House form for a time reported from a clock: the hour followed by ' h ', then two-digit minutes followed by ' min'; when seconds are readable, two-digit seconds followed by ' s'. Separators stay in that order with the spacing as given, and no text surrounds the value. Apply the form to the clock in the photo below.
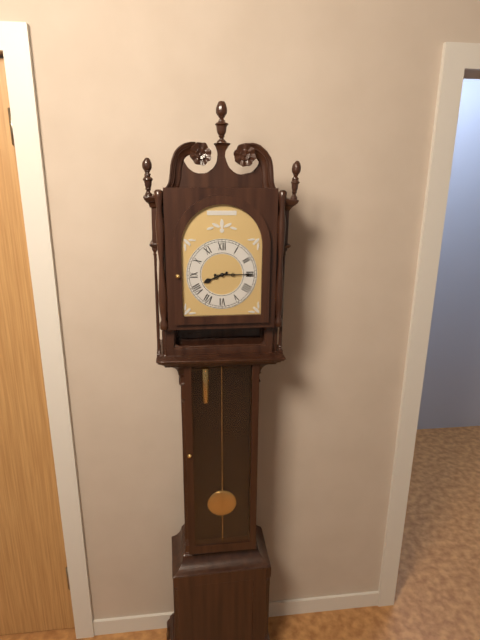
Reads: 8 h 15 min
